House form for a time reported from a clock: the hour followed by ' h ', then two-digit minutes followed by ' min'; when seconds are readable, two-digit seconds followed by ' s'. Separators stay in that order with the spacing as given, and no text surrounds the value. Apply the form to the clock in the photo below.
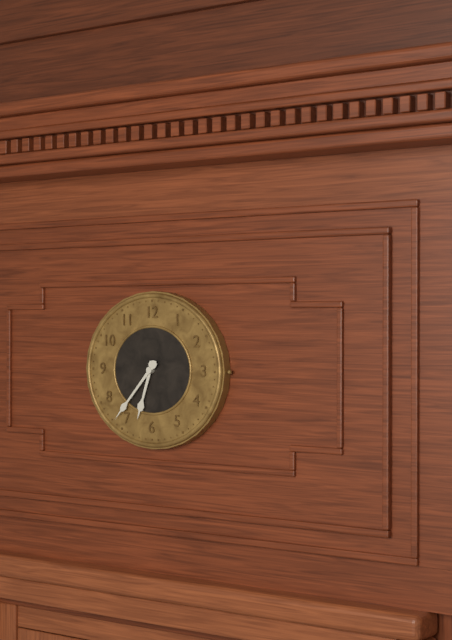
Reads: 6 h 37 min
